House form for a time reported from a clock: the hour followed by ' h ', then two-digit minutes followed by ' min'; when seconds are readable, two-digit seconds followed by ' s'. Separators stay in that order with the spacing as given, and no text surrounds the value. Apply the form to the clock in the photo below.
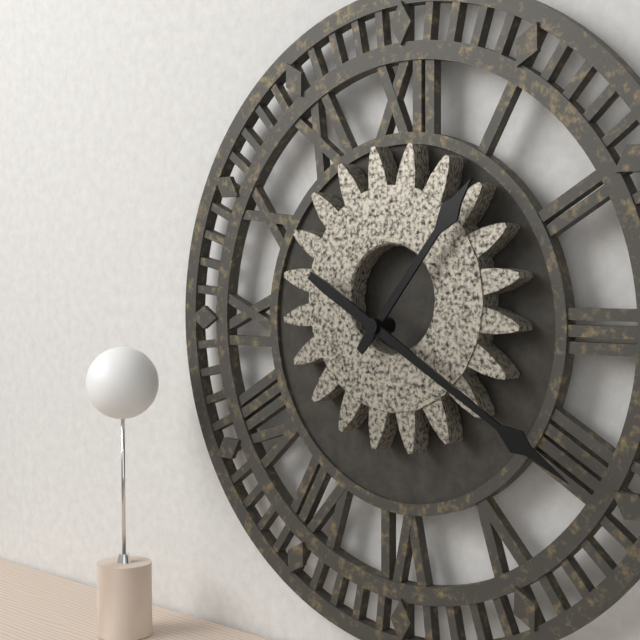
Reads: 1 h 20 min
